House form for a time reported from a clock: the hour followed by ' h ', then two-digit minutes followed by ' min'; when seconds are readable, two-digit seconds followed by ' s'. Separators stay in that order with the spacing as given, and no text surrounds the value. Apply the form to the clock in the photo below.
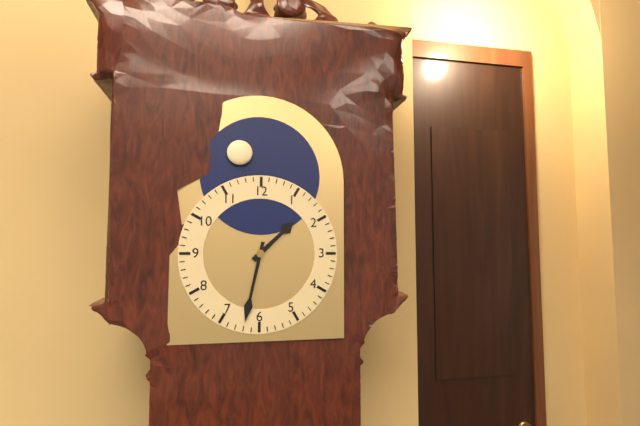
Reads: 1 h 32 min
